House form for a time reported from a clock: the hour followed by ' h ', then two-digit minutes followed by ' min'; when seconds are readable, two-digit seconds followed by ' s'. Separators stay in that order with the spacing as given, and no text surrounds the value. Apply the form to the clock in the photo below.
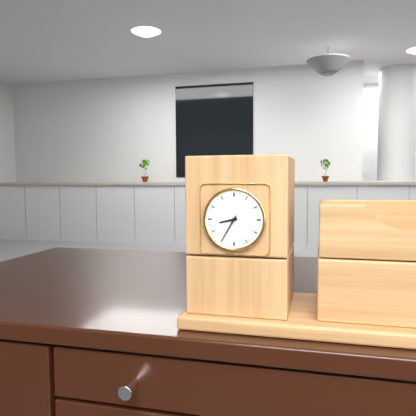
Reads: 8 h 35 min
